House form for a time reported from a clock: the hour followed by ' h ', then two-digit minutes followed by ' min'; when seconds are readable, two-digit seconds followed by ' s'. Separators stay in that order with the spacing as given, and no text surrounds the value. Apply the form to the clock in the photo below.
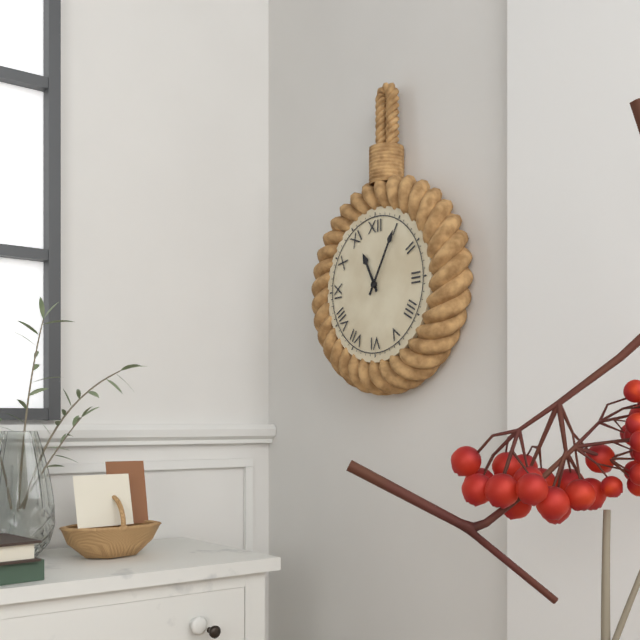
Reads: 11 h 05 min
